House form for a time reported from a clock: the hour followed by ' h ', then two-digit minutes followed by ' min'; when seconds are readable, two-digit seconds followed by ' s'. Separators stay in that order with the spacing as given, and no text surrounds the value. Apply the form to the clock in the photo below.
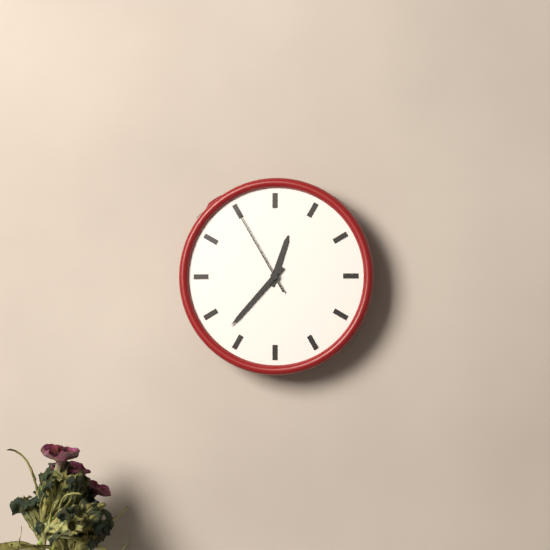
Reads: 12 h 37 min 55 s
